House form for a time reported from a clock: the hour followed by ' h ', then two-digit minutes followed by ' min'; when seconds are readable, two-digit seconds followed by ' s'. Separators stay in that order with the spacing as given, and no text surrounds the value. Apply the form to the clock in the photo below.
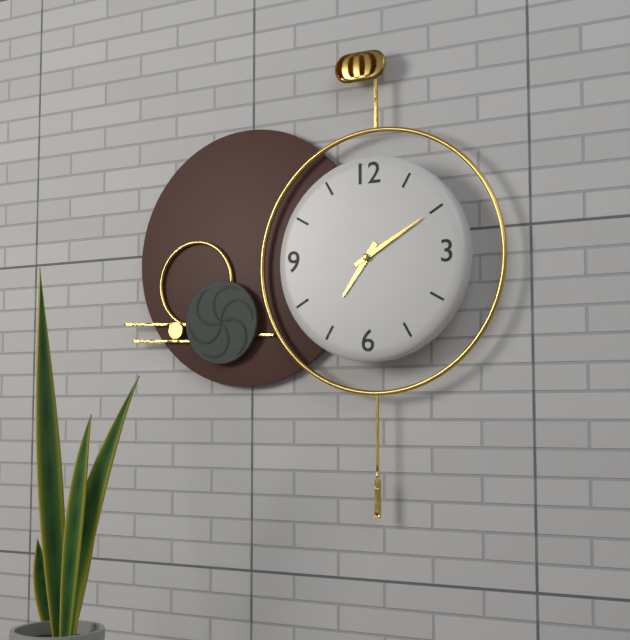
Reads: 7 h 10 min
